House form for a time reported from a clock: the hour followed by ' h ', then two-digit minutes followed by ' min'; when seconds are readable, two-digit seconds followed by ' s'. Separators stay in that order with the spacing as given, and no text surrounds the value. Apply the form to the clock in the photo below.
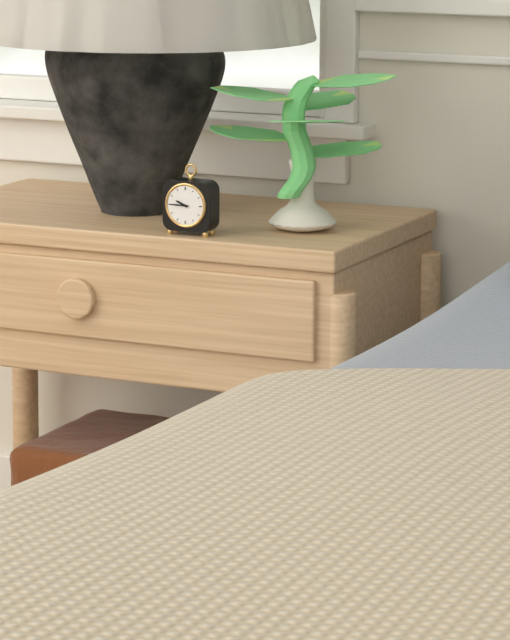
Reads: 9 h 45 min
